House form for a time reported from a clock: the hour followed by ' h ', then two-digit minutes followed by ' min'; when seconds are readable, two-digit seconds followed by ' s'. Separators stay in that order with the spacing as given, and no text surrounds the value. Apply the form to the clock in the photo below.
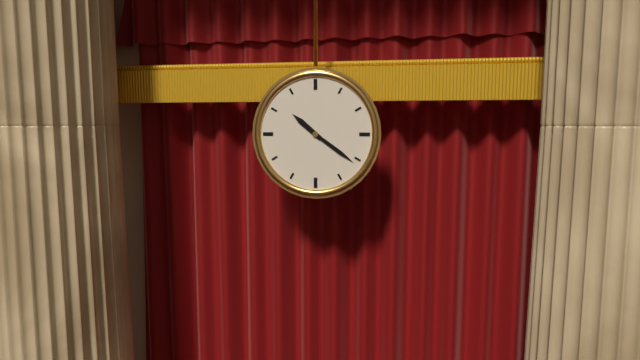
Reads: 10 h 21 min
